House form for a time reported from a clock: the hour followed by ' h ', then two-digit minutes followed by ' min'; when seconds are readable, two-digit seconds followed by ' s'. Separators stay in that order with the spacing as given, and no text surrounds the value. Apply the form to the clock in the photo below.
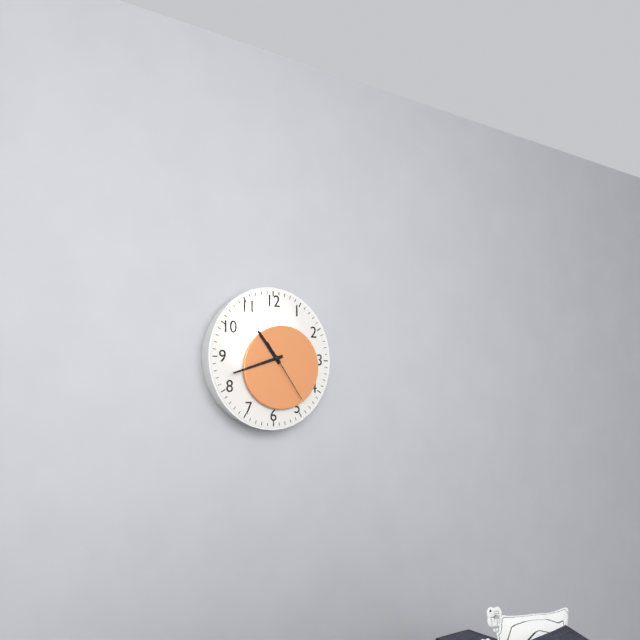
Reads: 10 h 42 min 24 s
